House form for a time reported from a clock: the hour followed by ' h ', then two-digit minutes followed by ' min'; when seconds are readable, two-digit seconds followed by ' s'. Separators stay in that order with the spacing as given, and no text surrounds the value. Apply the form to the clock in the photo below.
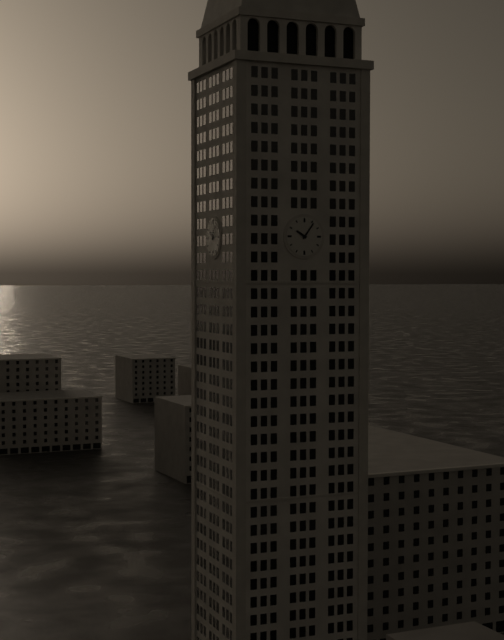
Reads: 10 h 06 min
